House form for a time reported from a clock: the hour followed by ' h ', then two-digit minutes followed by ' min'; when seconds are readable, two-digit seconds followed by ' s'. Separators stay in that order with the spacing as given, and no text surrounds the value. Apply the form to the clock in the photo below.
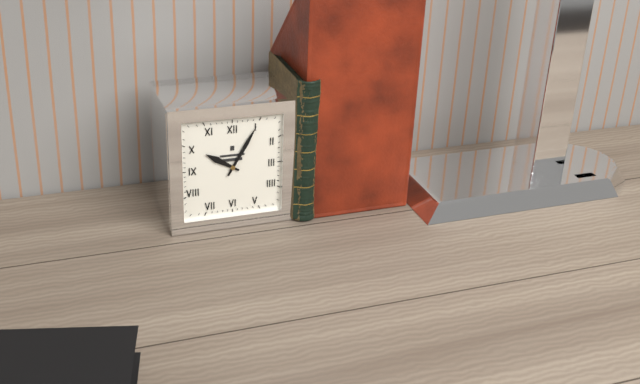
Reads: 10 h 05 min
